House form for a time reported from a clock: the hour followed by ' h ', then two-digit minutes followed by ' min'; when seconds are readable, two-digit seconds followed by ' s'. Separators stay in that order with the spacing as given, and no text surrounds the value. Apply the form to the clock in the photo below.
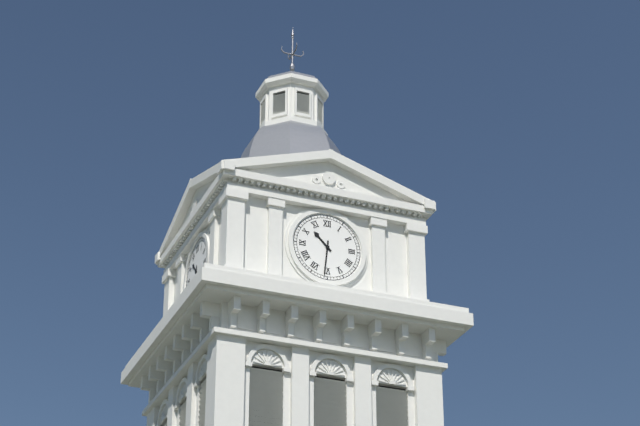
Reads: 10 h 31 min
